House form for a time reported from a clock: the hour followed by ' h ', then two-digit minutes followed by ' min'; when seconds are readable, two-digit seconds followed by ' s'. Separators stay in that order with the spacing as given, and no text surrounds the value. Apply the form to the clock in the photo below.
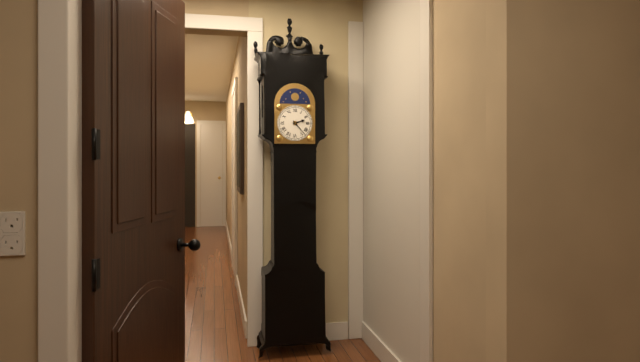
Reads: 2 h 23 min
